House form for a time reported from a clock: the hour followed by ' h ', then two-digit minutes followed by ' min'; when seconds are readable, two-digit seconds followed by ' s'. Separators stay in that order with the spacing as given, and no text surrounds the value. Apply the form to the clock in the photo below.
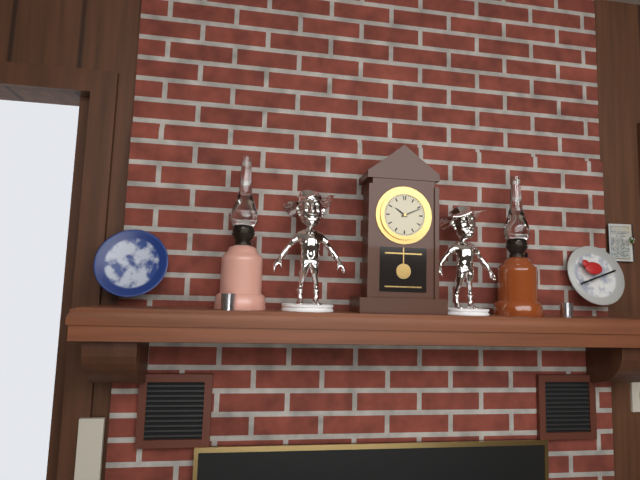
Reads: 10 h 11 min
